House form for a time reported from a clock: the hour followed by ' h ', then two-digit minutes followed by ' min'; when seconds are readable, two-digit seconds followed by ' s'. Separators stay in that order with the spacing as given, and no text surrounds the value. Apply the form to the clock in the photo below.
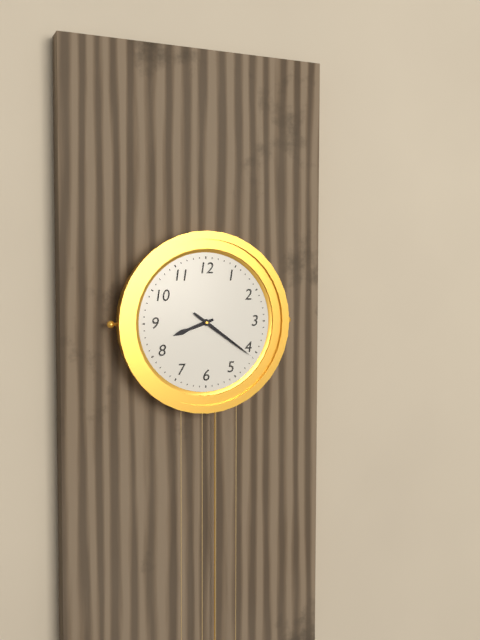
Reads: 8 h 21 min
